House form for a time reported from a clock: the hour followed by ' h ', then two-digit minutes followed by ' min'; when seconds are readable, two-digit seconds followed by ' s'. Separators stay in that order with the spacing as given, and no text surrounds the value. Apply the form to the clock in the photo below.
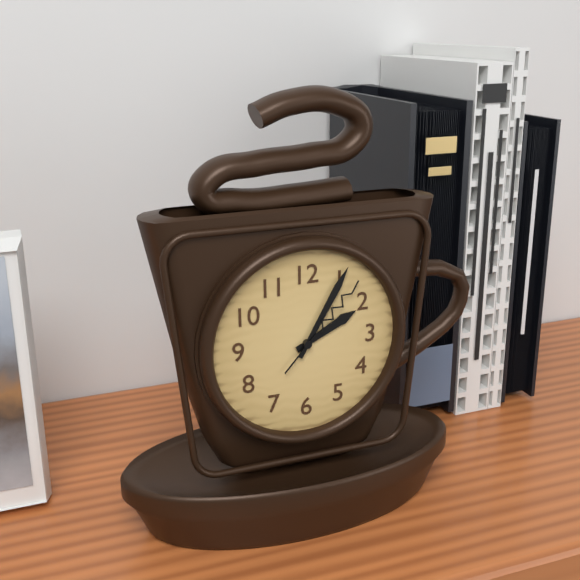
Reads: 2 h 05 min 07 s
